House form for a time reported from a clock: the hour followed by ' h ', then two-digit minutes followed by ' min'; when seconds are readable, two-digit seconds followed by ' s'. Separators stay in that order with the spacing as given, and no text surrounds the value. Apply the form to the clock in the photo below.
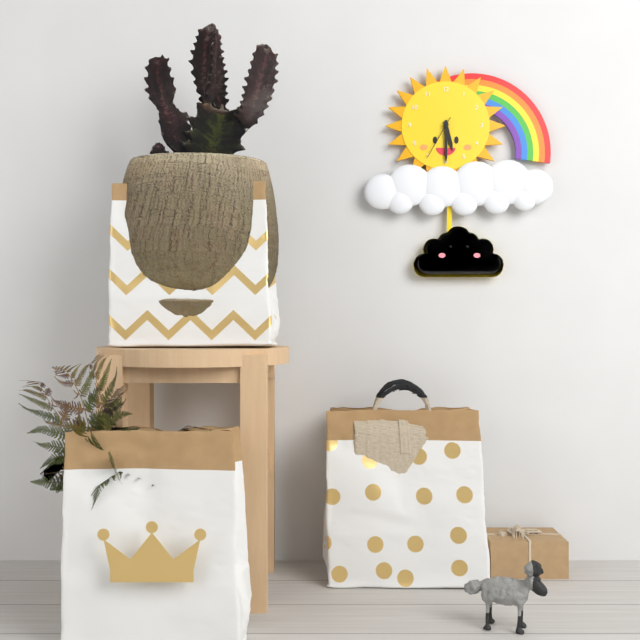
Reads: 5 h 30 min
